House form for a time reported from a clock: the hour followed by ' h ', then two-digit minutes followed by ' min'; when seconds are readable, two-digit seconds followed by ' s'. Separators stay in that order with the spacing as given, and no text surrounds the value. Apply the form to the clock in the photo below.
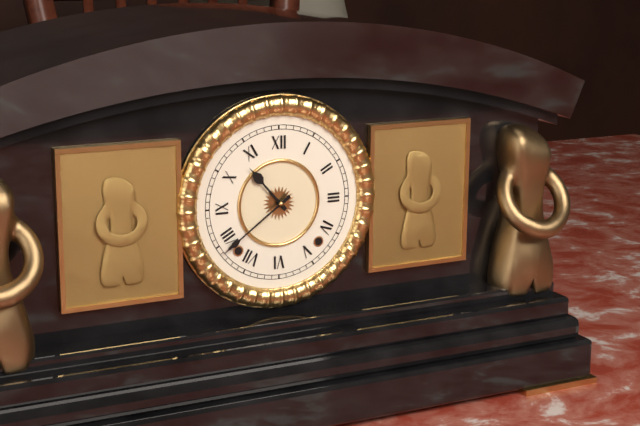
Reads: 10 h 39 min
